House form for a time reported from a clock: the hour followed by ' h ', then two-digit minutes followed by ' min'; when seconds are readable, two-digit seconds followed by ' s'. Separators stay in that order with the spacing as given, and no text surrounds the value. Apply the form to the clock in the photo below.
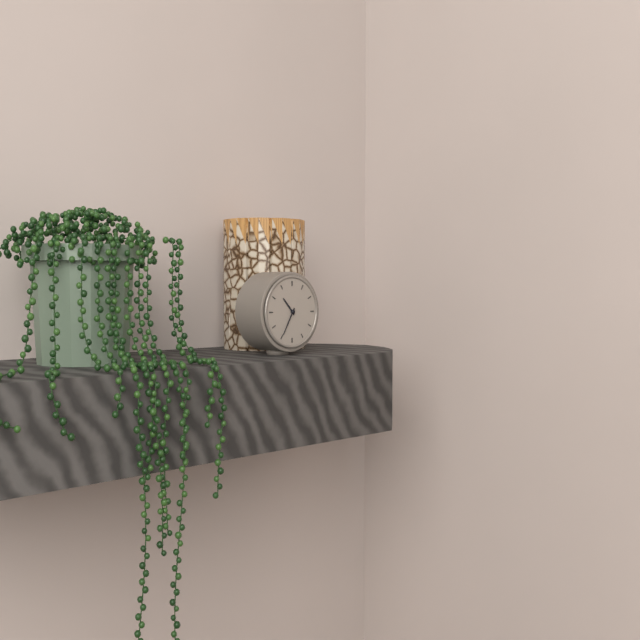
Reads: 10 h 35 min
